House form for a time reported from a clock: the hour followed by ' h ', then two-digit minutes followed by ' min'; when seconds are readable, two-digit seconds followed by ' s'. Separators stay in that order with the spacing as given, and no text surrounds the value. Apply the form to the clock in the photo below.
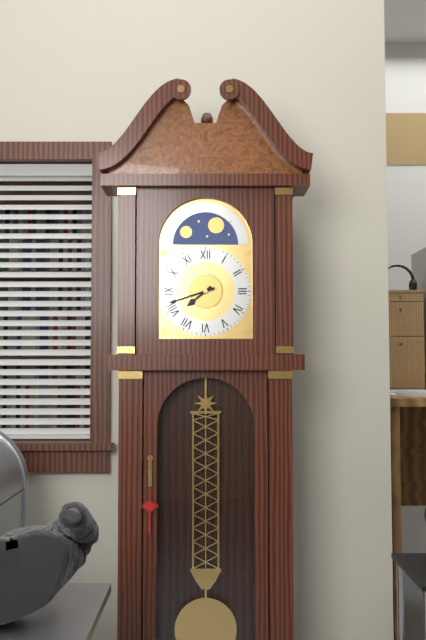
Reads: 7 h 42 min
